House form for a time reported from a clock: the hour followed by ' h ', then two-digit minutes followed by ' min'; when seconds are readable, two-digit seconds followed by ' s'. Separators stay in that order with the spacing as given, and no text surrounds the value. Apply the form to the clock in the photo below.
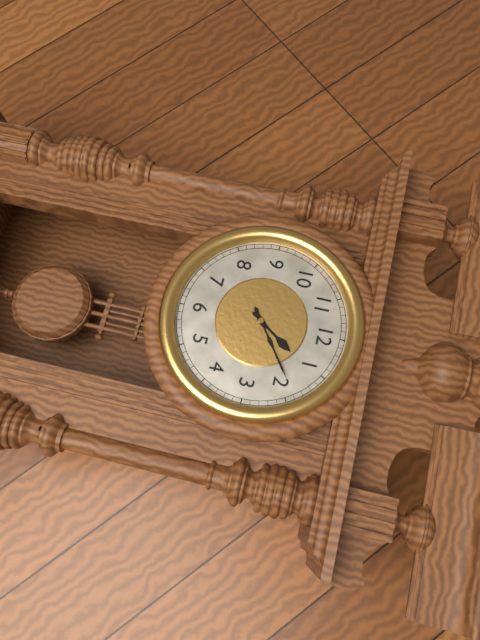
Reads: 1 h 09 min
